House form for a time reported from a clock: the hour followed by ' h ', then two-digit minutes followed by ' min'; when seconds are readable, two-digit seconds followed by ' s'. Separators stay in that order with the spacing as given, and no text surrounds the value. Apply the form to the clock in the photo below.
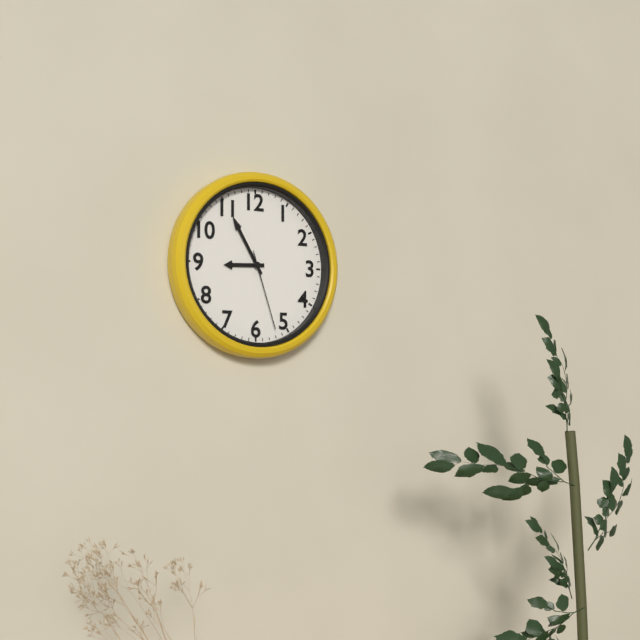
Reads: 8 h 55 min 27 s
